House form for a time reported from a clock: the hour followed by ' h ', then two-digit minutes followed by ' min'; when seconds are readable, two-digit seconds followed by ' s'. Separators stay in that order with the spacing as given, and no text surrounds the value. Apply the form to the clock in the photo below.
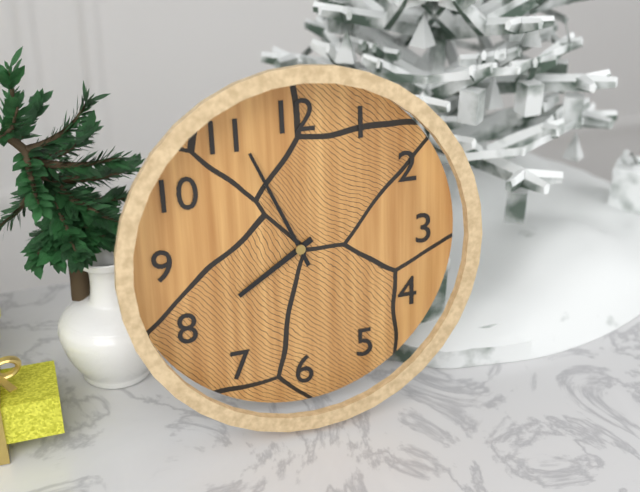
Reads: 7 h 56 min
